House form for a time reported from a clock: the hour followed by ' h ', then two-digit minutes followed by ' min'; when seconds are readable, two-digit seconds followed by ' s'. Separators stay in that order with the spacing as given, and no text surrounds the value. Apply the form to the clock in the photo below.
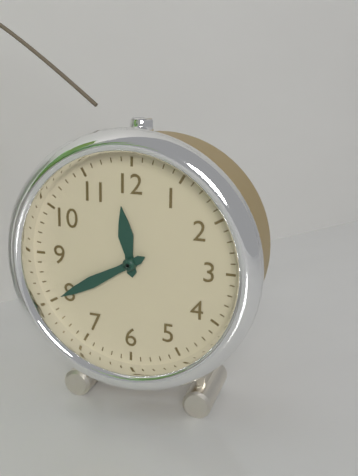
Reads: 11 h 40 min
